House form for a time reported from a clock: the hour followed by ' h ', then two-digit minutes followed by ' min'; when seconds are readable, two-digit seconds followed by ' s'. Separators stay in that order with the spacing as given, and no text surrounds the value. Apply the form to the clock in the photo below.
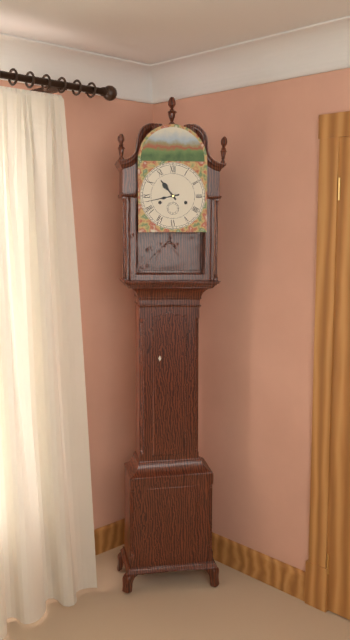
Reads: 10 h 43 min
